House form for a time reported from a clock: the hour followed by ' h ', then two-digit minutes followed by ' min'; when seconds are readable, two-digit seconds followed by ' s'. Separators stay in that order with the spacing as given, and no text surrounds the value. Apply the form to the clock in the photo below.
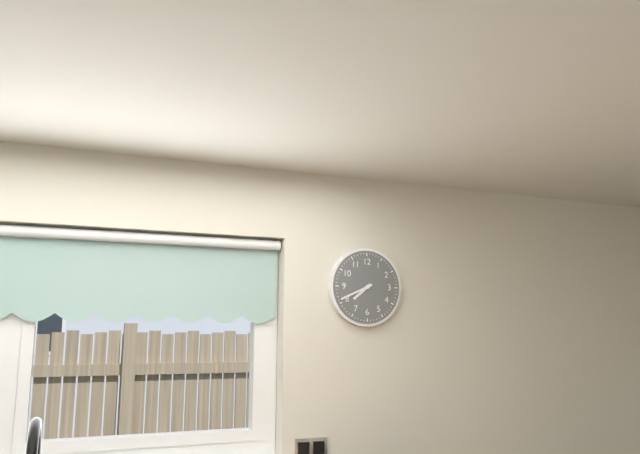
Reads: 7 h 41 min
